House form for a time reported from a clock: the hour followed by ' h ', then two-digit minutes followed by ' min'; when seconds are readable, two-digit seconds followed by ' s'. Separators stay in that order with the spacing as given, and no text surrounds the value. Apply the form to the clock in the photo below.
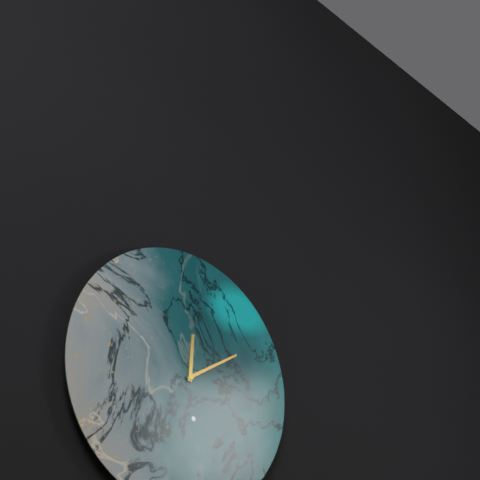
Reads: 12 h 10 min
